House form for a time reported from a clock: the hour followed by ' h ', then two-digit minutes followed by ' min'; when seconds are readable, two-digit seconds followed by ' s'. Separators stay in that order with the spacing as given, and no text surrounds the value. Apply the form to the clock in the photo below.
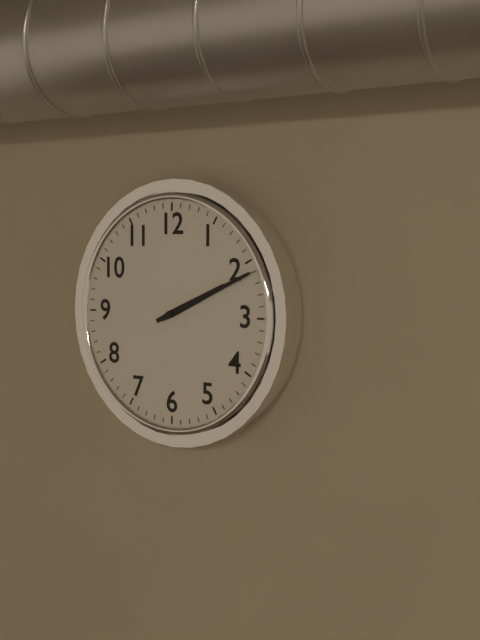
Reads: 2 h 11 min
